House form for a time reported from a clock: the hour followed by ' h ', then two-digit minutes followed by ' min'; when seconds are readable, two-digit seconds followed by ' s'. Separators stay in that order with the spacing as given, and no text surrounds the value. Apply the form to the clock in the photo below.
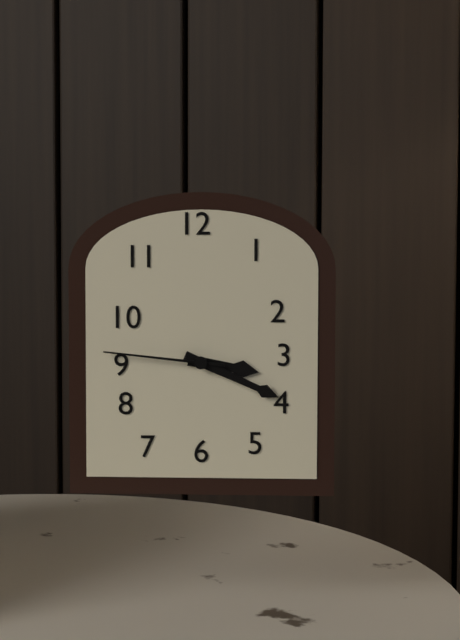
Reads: 3 h 19 min 46 s
